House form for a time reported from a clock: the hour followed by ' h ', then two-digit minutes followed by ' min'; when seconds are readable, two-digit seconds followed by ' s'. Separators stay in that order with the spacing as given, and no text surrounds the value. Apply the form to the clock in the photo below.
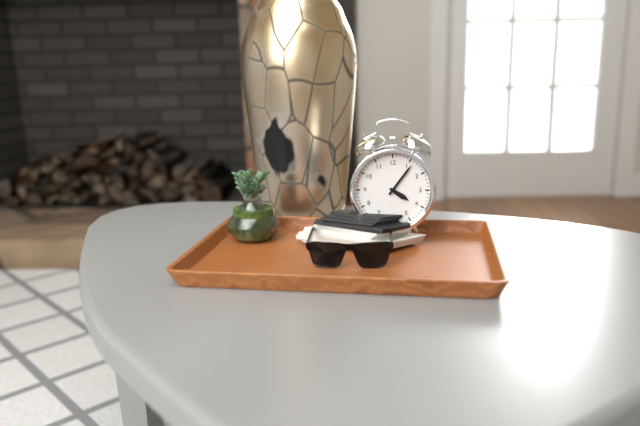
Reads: 4 h 06 min
